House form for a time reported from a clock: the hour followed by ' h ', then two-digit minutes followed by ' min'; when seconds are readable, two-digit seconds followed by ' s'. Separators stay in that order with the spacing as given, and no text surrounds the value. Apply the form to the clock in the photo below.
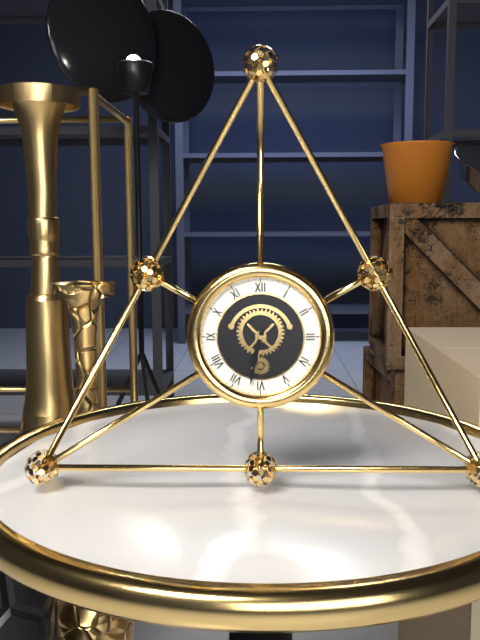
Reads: 6 h 32 min
